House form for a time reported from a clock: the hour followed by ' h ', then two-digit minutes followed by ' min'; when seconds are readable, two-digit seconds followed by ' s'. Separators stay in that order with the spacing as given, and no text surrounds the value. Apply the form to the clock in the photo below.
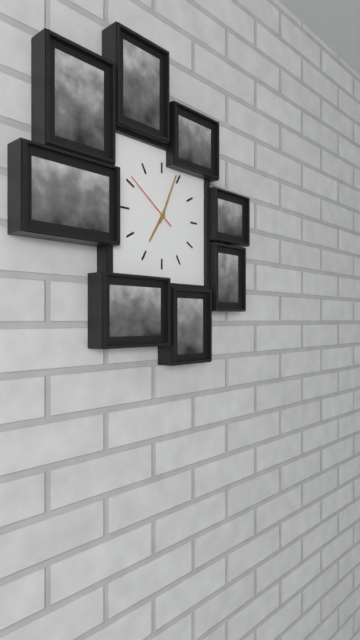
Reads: 7 h 04 min 51 s
